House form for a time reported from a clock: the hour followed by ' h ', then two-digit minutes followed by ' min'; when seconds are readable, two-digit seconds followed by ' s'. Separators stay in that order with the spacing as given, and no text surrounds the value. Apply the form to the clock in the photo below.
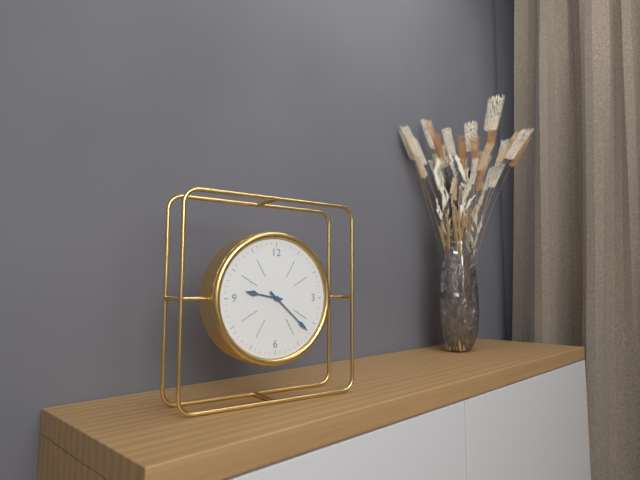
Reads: 9 h 22 min
